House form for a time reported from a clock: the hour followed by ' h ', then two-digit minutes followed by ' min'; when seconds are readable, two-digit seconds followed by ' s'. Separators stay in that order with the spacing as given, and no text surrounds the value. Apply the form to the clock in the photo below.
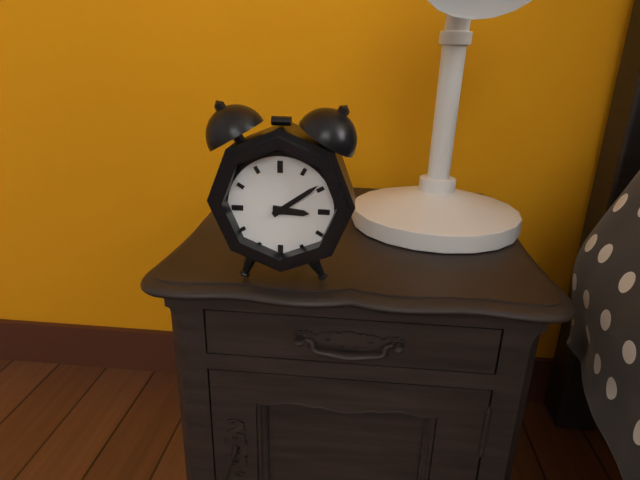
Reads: 3 h 09 min
